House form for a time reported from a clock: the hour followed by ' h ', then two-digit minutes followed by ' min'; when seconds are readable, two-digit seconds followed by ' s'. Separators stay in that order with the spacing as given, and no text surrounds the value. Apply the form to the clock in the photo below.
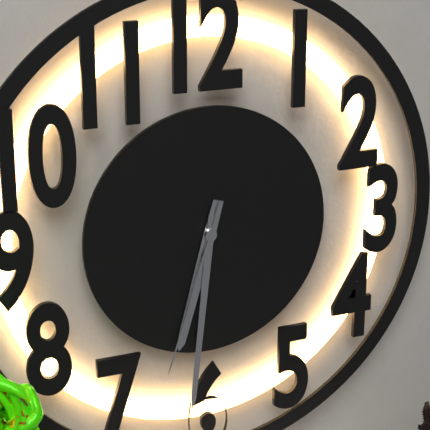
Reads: 6 h 31 min 33 s
